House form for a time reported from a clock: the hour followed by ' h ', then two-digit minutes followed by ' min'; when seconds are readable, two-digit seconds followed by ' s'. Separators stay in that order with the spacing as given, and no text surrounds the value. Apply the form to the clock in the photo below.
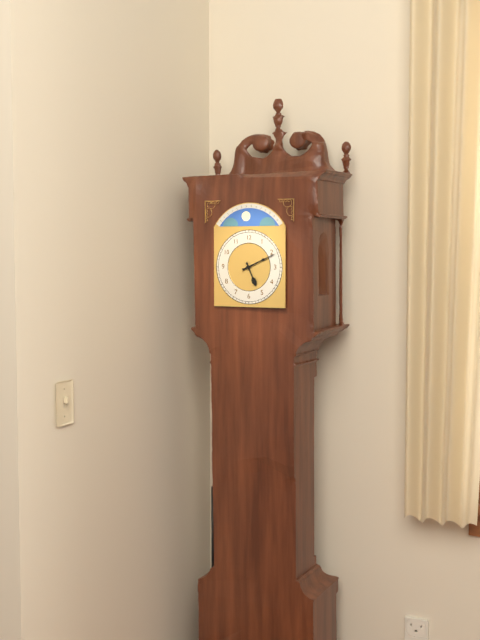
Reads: 5 h 11 min
